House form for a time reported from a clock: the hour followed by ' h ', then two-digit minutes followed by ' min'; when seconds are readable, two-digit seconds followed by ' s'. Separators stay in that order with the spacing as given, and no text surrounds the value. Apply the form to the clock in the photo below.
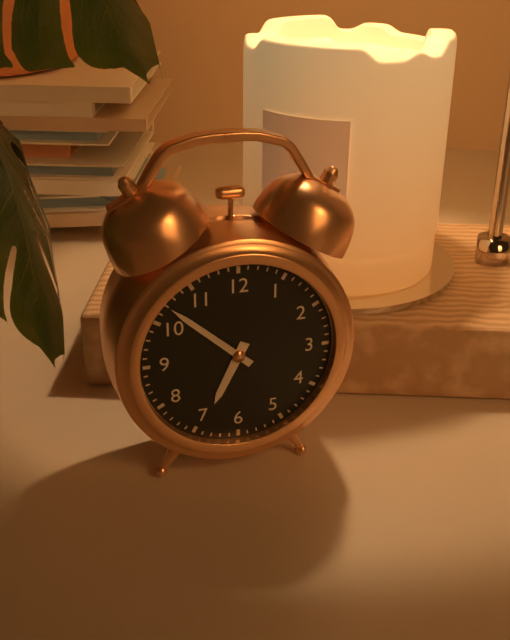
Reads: 6 h 52 min
